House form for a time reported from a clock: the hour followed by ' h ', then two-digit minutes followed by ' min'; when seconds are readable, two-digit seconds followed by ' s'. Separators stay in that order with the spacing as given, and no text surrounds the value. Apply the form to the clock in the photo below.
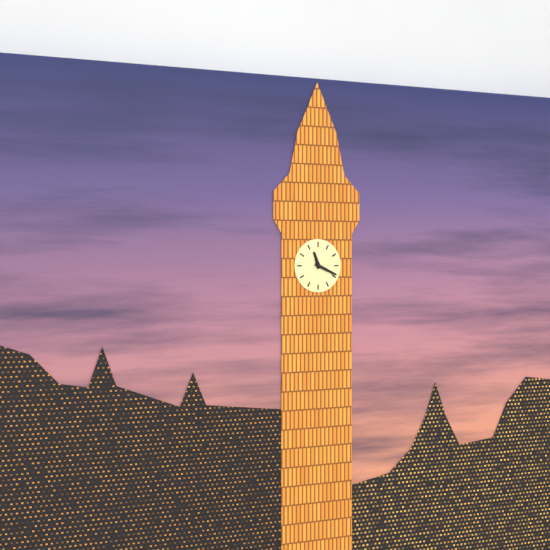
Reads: 11 h 19 min
